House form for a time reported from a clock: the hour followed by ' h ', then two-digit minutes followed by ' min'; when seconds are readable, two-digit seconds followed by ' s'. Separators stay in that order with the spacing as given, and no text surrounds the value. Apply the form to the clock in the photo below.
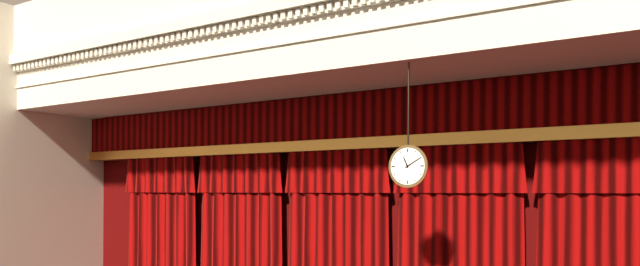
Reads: 11 h 10 min
